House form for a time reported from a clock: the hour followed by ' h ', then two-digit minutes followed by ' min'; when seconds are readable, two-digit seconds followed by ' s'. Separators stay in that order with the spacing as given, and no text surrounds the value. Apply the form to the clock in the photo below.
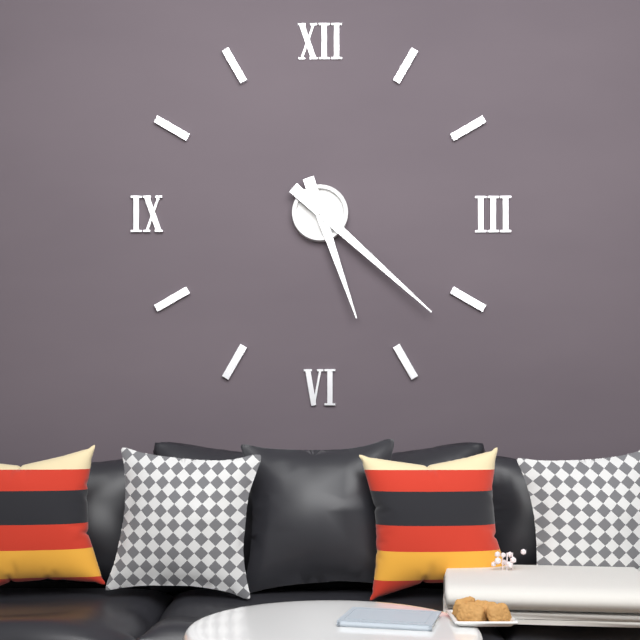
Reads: 5 h 22 min
